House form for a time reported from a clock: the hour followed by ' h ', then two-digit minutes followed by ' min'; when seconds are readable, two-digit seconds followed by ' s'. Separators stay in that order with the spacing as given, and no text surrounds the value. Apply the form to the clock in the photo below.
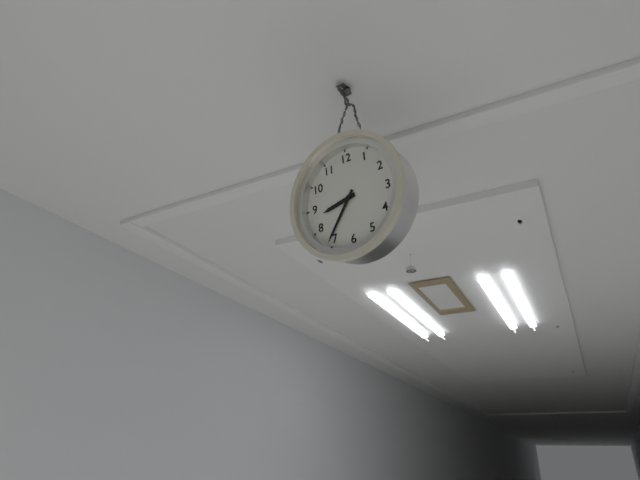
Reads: 8 h 36 min
